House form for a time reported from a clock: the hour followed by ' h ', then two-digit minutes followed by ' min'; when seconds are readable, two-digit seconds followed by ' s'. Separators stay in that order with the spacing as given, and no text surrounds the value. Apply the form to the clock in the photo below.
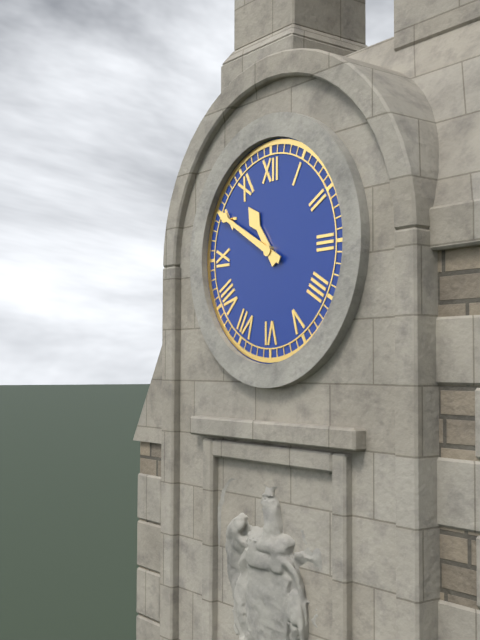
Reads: 10 h 50 min
